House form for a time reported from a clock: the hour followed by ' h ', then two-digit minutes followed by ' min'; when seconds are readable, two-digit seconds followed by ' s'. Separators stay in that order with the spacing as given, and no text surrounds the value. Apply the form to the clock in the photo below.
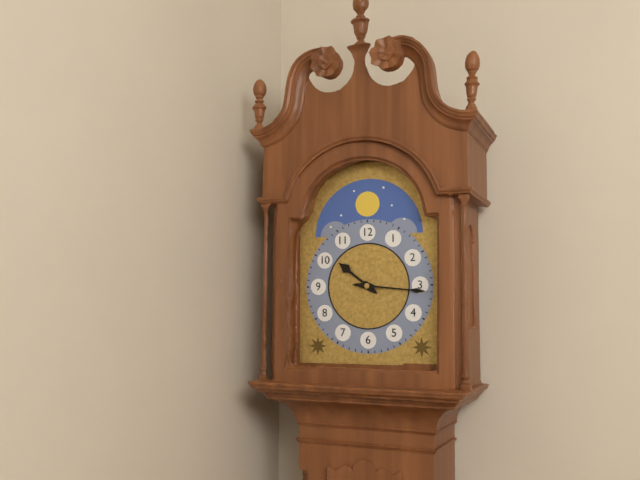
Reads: 10 h 16 min
